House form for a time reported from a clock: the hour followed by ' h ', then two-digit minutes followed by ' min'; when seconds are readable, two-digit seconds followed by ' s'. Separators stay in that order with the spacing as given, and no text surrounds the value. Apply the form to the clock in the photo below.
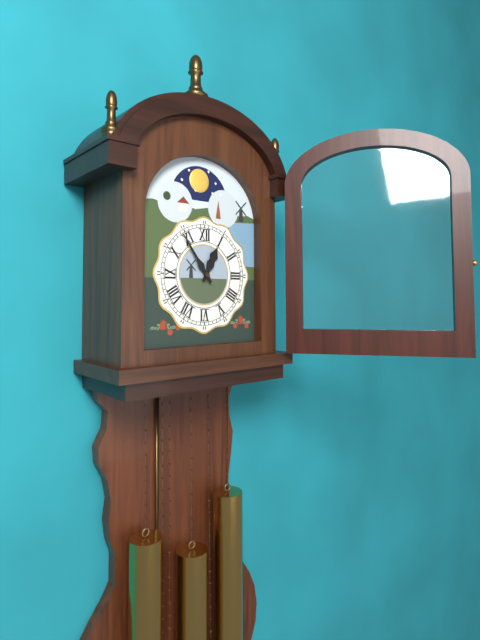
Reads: 12 h 54 min
